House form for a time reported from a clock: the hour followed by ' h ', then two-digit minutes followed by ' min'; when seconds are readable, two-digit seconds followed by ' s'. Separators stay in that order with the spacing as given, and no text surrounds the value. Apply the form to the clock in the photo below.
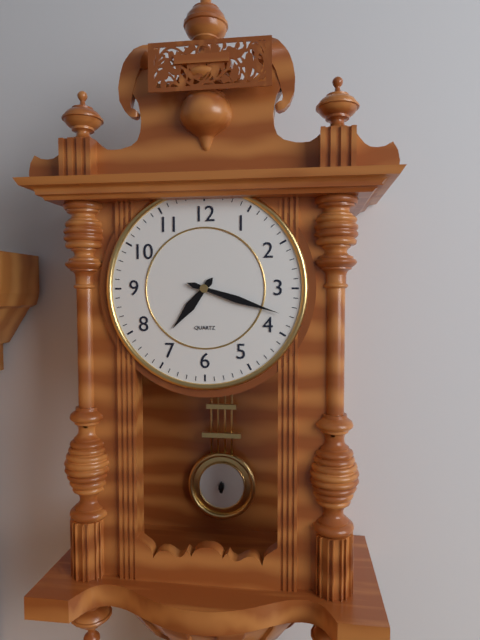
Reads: 7 h 18 min
